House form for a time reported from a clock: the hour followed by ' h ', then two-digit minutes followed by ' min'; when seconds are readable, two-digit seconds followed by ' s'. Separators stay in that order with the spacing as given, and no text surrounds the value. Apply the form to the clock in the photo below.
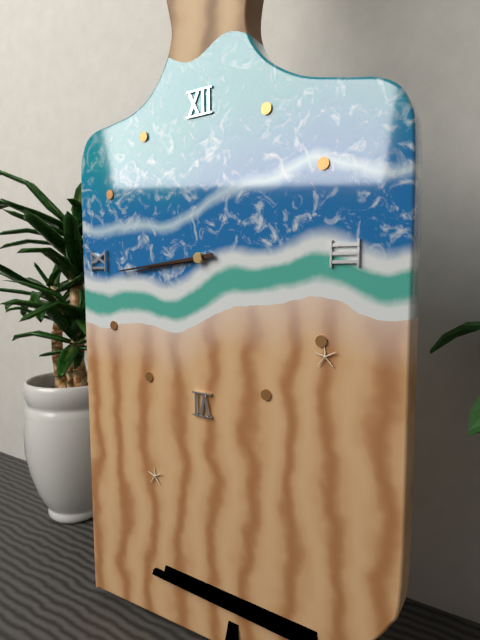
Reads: 8 h 44 min
